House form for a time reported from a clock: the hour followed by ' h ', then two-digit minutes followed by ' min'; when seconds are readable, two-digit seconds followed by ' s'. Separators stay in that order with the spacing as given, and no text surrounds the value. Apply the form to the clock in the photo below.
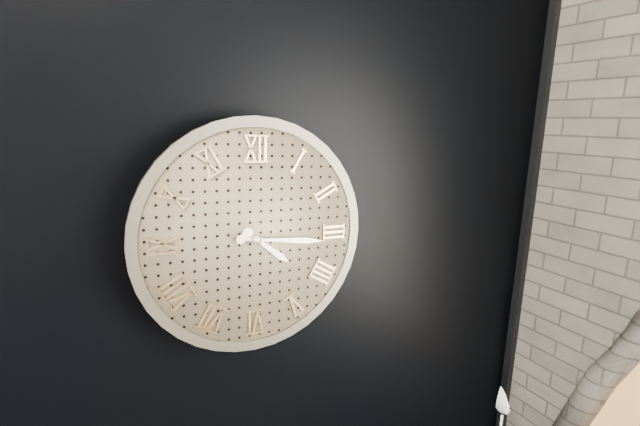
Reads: 4 h 16 min
